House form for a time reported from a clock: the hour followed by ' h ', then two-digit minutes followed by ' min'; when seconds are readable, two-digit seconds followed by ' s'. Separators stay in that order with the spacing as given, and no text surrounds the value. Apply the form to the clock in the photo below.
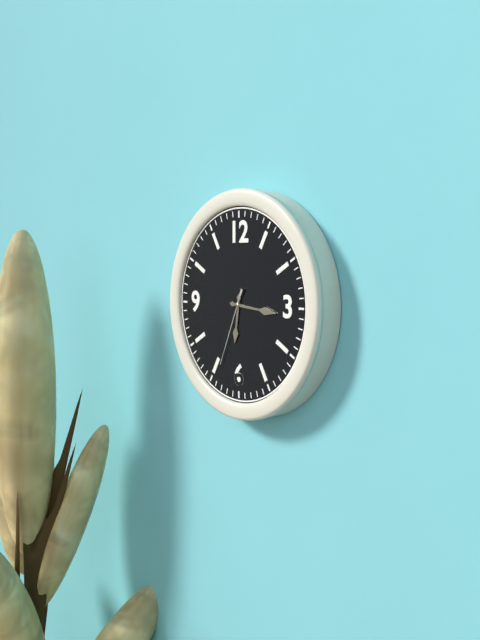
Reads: 6 h 16 min 34 s
